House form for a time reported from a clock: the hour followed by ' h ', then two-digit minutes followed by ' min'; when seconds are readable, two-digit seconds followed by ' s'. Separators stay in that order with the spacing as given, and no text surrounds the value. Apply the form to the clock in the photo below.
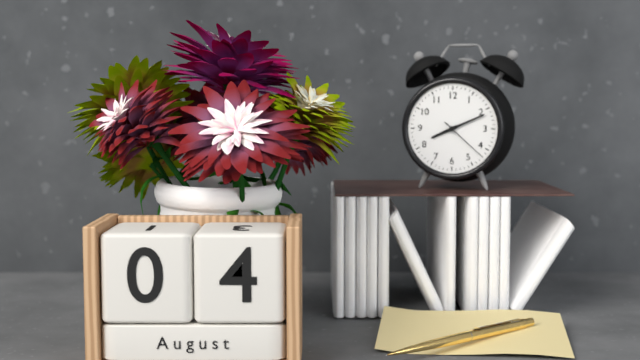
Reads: 8 h 11 min 22 s
